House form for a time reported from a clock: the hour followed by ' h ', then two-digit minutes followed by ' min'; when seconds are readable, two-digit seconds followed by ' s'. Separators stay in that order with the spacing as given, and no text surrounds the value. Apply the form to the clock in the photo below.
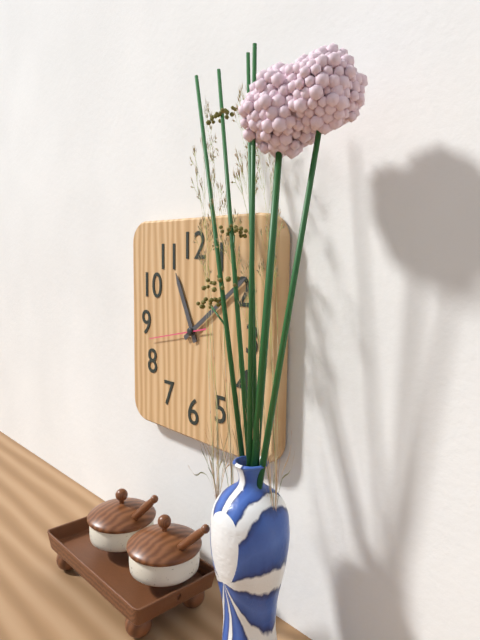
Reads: 11 h 09 min 43 s
